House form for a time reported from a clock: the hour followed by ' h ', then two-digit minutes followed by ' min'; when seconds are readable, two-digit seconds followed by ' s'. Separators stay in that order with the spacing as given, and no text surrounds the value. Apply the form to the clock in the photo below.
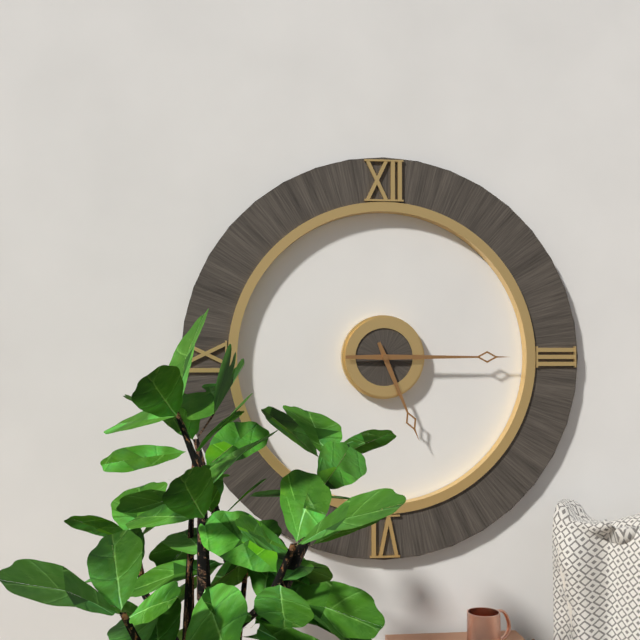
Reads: 5 h 15 min
